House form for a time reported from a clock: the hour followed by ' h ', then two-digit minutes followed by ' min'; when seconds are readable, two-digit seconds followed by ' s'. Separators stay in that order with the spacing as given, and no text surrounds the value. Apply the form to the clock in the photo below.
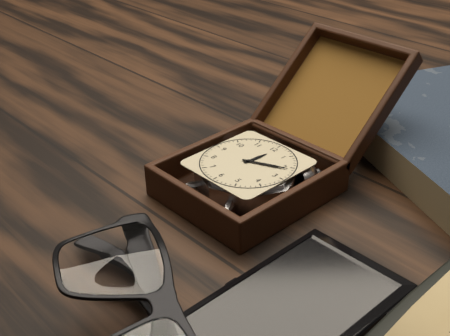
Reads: 12 h 11 min
